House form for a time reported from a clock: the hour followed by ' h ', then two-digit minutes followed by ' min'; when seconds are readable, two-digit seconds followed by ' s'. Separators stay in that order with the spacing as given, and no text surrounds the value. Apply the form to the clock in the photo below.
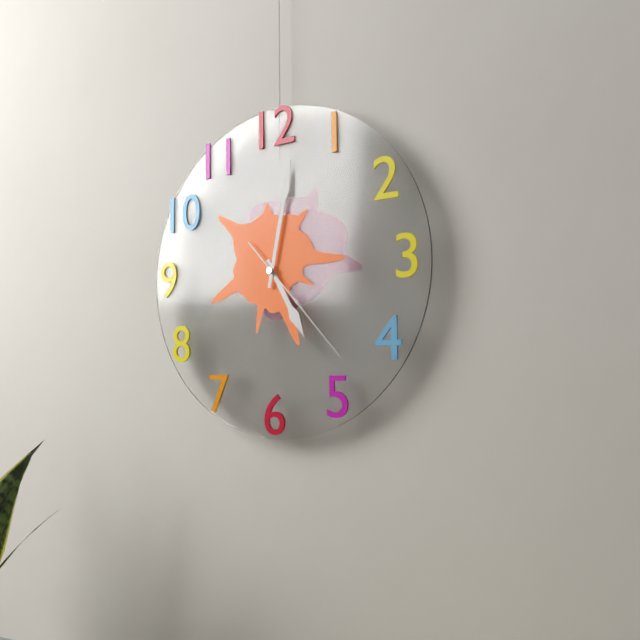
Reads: 5 h 02 min 23 s
